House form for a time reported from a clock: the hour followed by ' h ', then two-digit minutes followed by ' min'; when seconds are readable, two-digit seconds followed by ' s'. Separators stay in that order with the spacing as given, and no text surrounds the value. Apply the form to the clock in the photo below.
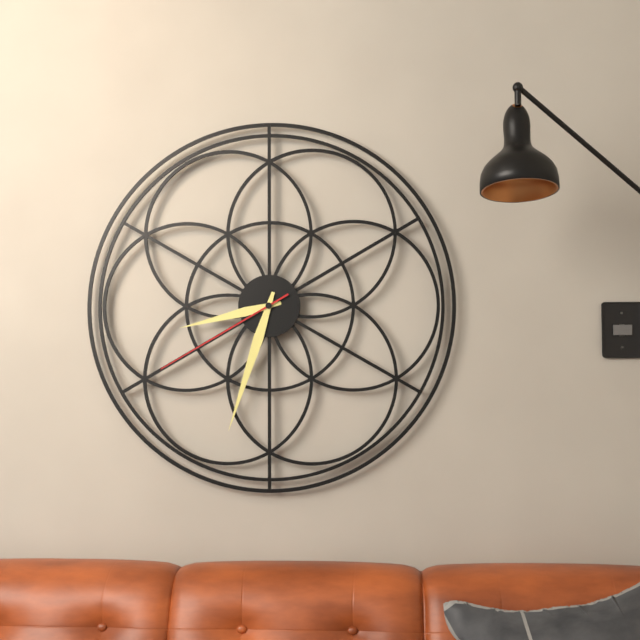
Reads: 8 h 33 min 40 s
